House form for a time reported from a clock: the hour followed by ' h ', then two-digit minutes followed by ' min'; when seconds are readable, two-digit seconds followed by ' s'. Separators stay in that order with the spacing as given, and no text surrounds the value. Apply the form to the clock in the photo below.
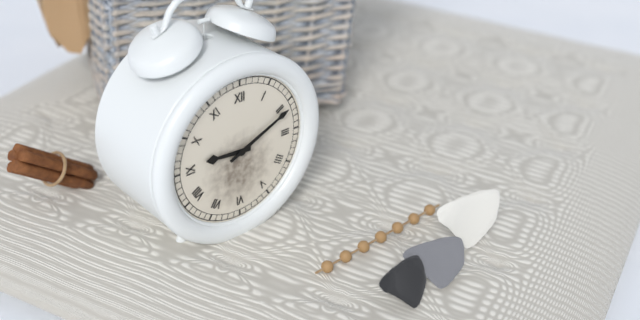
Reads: 9 h 11 min
